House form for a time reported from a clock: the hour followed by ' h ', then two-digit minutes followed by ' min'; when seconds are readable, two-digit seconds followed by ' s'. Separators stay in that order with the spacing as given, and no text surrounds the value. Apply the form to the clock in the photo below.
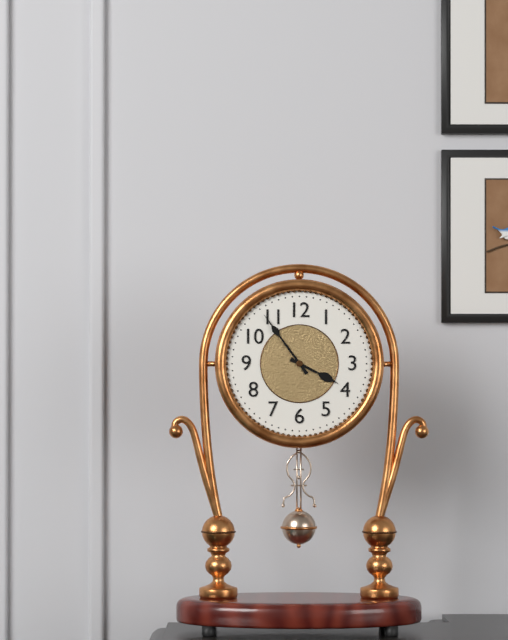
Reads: 3 h 54 min
